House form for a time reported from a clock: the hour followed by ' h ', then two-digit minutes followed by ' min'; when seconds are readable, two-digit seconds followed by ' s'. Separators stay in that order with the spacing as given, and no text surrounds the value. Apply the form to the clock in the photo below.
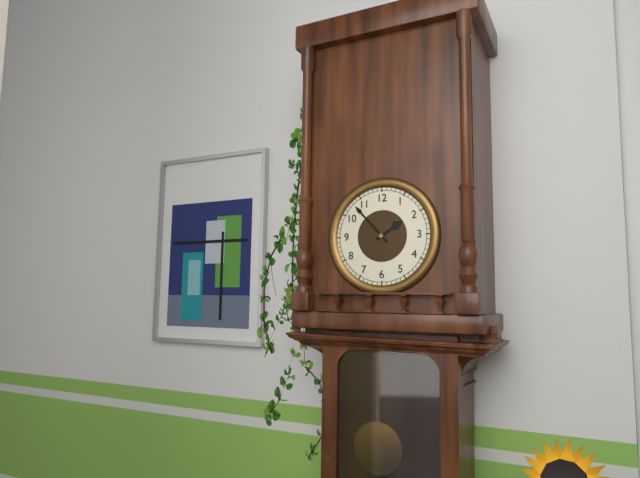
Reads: 1 h 53 min
